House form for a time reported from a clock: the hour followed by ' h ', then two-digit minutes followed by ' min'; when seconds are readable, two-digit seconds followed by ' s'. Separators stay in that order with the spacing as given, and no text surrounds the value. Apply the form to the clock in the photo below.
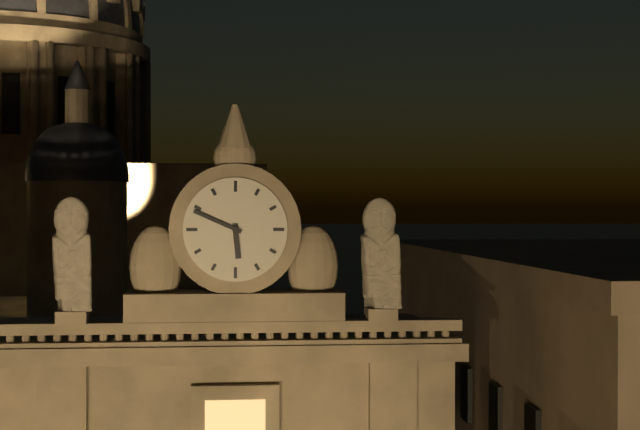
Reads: 5 h 49 min
